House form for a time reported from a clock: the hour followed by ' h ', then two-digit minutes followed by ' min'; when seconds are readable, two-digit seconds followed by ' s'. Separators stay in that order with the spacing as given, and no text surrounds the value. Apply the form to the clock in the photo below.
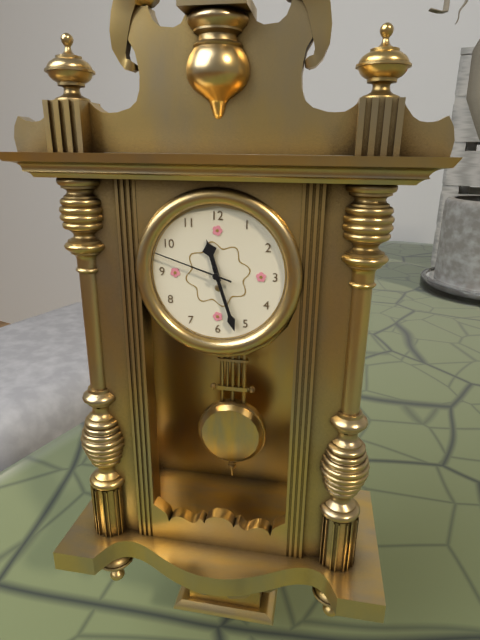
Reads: 11 h 27 min 48 s
